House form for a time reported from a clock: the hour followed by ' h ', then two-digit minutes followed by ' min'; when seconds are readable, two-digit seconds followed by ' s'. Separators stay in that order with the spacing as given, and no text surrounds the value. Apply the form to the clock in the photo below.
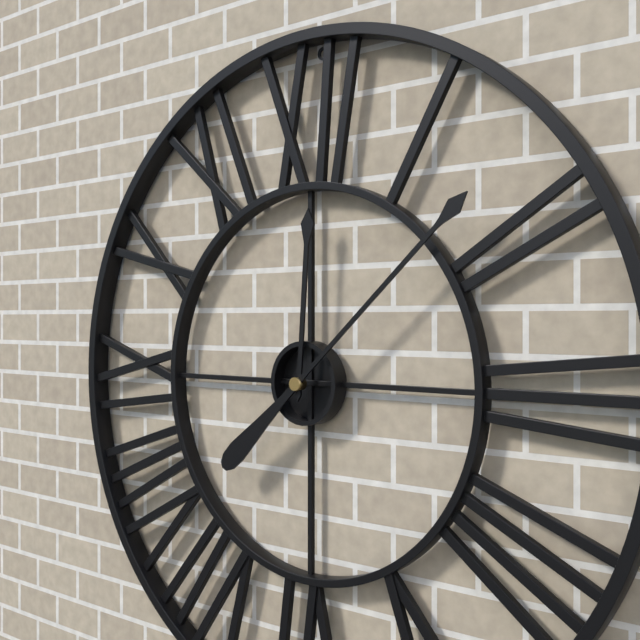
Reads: 12 h 08 min
